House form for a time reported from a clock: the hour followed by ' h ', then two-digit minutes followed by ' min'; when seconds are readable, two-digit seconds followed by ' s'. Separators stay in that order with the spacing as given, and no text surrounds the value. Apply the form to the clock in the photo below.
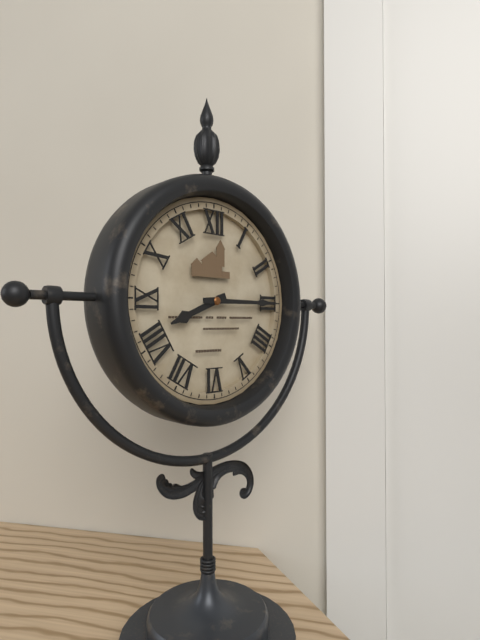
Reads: 8 h 15 min
